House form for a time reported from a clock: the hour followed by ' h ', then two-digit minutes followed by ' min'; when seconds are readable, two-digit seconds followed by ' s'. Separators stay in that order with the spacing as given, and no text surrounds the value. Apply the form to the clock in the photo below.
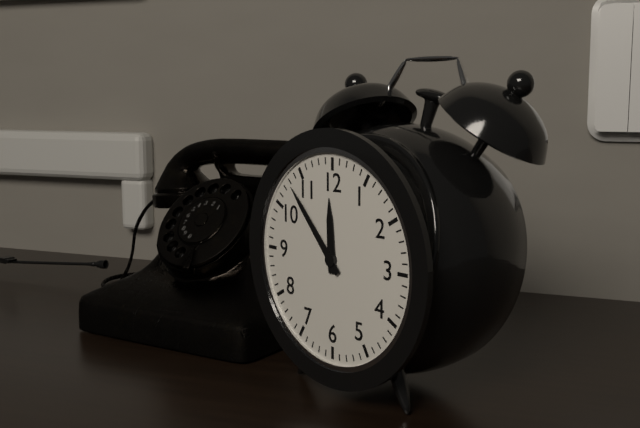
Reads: 11 h 53 min
